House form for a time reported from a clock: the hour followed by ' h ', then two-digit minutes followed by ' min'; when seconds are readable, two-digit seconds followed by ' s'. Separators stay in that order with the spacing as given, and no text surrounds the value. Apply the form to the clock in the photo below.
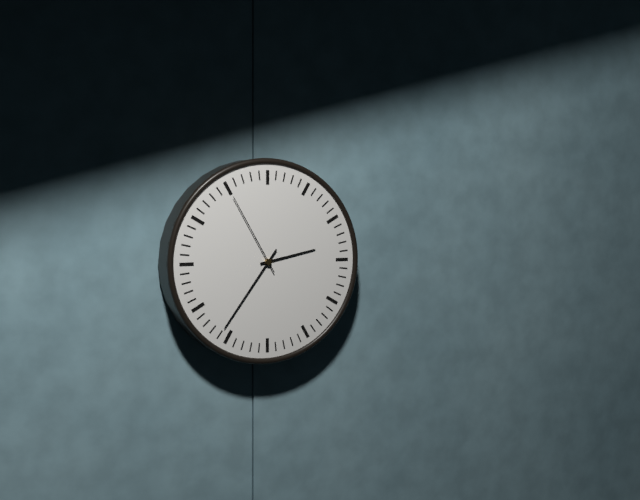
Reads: 2 h 36 min 55 s
